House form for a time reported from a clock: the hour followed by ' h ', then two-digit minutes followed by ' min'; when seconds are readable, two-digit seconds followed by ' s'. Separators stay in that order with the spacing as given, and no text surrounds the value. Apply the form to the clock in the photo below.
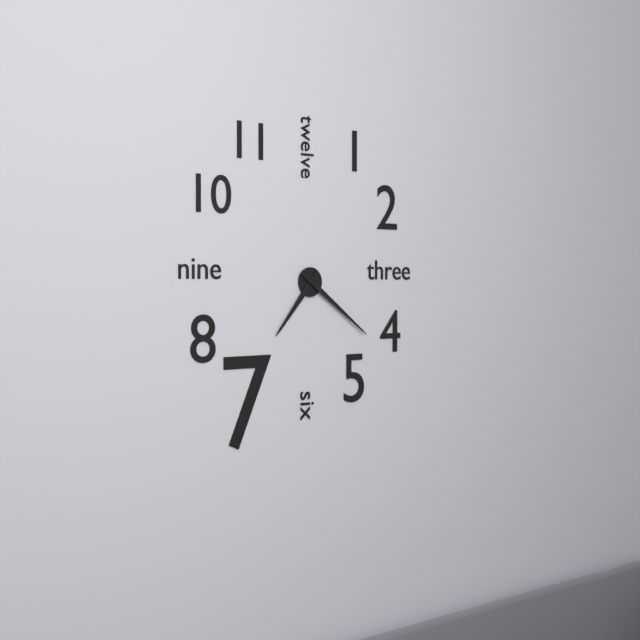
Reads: 7 h 21 min
